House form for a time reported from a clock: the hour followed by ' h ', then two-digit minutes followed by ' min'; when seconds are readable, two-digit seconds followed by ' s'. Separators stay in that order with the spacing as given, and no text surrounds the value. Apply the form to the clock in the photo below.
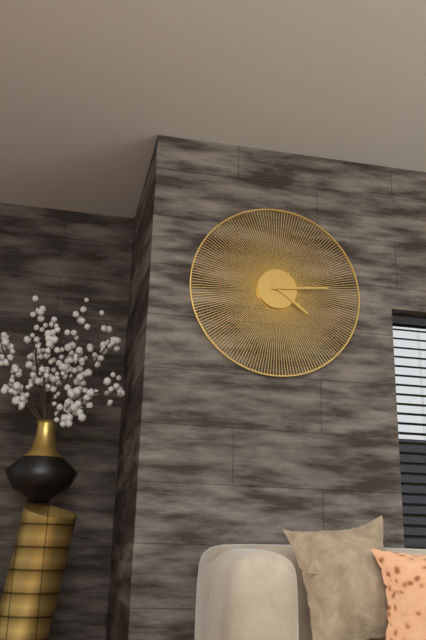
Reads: 4 h 14 min
